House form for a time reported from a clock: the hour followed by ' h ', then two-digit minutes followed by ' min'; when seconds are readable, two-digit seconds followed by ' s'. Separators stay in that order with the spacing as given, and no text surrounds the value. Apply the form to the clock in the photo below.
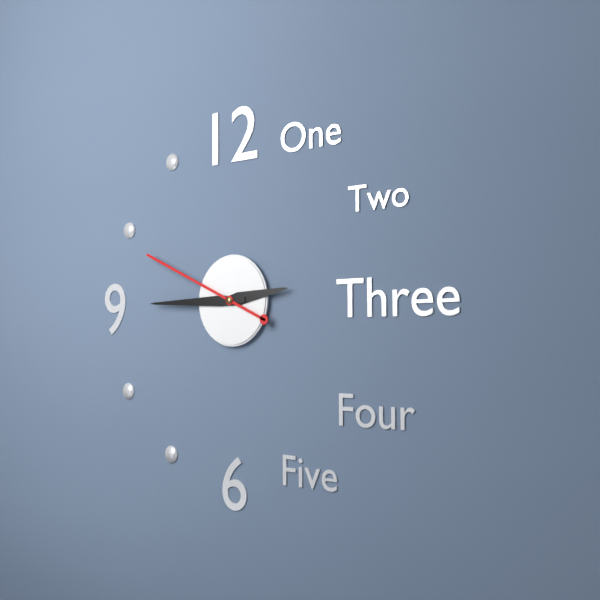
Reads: 2 h 45 min 49 s
